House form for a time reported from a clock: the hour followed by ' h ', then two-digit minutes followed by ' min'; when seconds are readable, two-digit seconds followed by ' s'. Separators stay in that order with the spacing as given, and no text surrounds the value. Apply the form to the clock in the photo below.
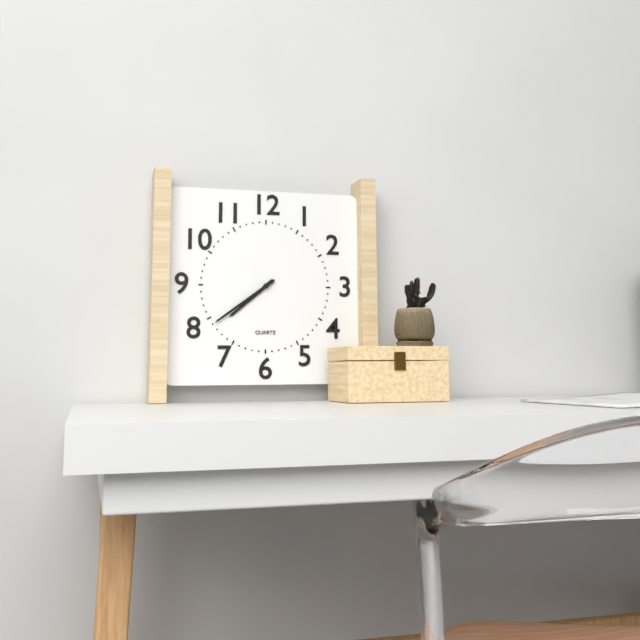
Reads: 7 h 39 min
